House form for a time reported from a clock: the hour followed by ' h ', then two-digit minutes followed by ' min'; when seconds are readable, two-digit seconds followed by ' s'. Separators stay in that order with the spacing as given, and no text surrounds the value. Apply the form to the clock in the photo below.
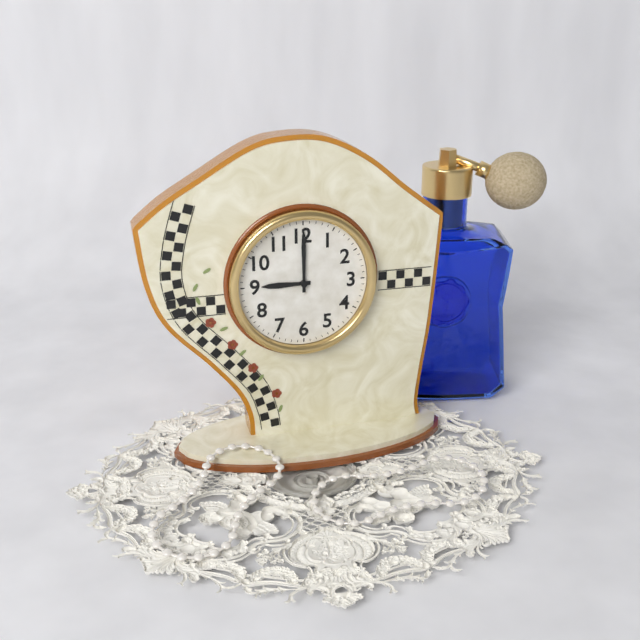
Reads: 9 h 00 min
